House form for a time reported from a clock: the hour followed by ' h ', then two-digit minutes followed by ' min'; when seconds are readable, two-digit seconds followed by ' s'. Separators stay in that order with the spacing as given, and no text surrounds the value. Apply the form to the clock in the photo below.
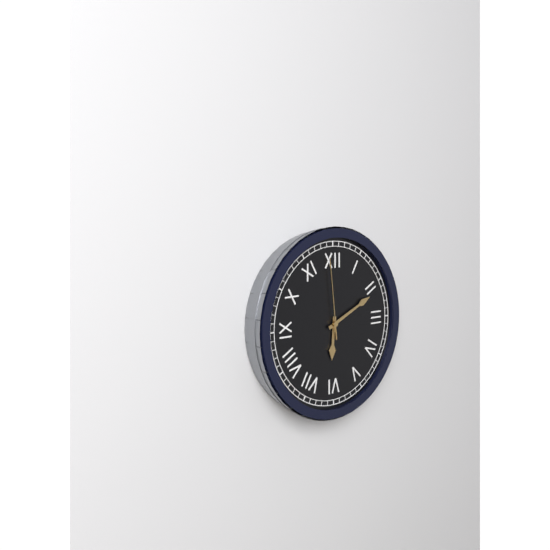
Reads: 6 h 11 min 59 s
